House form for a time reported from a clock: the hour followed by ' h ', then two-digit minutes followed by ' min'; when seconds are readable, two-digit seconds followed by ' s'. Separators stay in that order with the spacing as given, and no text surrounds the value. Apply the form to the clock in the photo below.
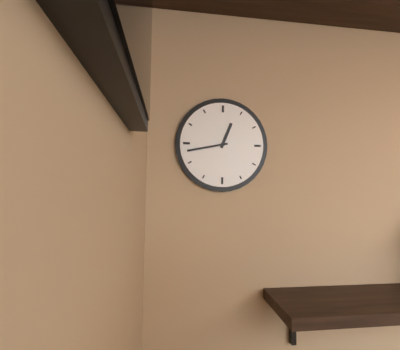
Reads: 12 h 43 min
